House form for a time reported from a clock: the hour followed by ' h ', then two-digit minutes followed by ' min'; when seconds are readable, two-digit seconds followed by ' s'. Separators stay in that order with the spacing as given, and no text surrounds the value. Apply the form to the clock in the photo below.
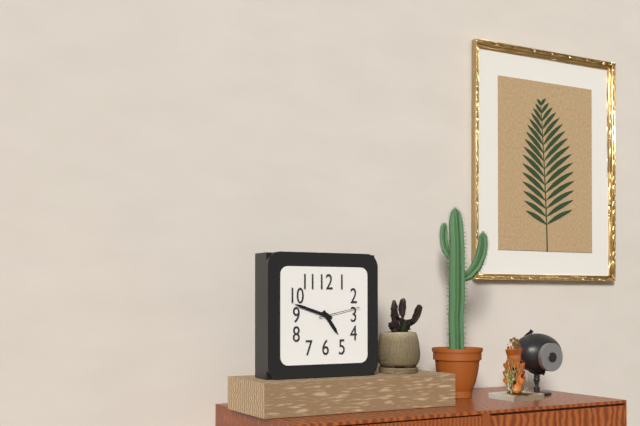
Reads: 4 h 48 min
